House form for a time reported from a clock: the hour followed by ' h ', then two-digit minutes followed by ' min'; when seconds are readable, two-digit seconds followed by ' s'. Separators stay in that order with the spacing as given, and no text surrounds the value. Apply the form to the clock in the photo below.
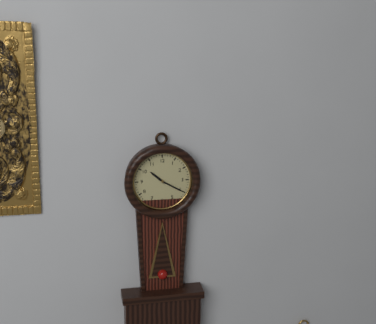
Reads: 10 h 20 min
